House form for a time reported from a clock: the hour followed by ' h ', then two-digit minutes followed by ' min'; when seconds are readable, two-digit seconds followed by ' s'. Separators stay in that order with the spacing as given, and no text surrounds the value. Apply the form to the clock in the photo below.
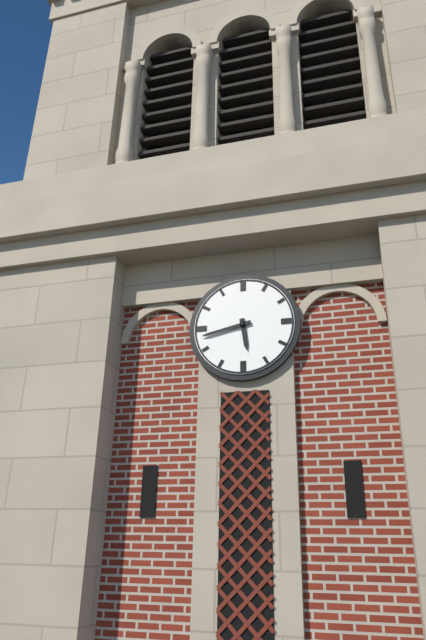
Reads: 5 h 43 min
